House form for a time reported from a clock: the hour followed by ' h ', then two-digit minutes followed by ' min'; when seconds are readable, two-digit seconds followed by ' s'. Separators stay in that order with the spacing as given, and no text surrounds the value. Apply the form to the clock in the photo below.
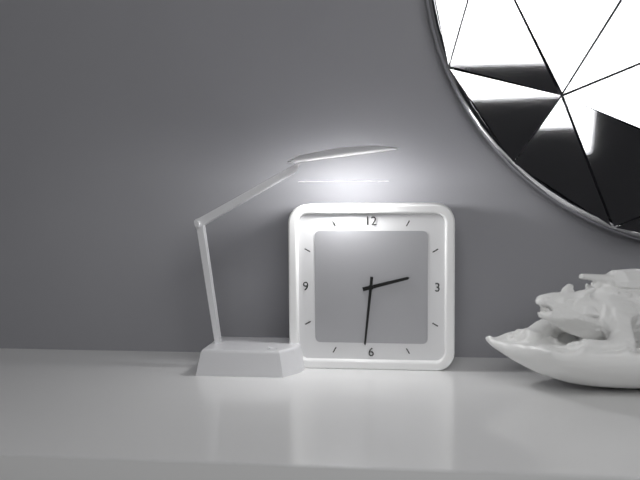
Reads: 2 h 31 min
